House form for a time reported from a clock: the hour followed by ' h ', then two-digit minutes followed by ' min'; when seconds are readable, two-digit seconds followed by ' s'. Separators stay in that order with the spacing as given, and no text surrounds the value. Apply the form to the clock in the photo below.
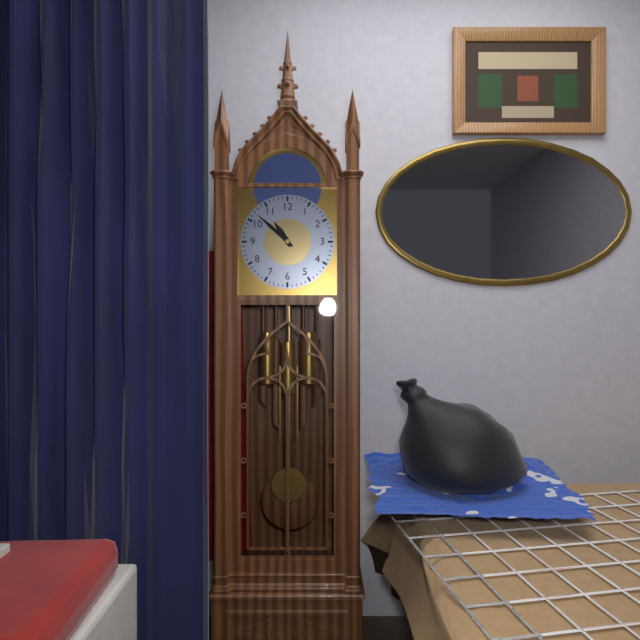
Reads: 10 h 52 min
